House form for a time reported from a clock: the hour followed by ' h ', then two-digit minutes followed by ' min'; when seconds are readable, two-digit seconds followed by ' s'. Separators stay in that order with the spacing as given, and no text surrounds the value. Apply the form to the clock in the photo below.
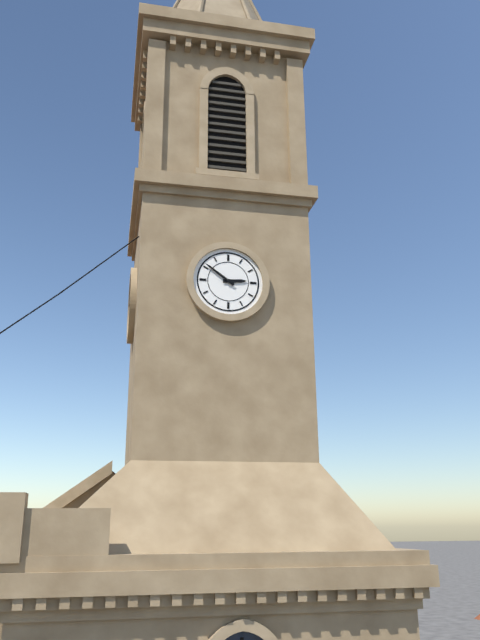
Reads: 2 h 51 min
